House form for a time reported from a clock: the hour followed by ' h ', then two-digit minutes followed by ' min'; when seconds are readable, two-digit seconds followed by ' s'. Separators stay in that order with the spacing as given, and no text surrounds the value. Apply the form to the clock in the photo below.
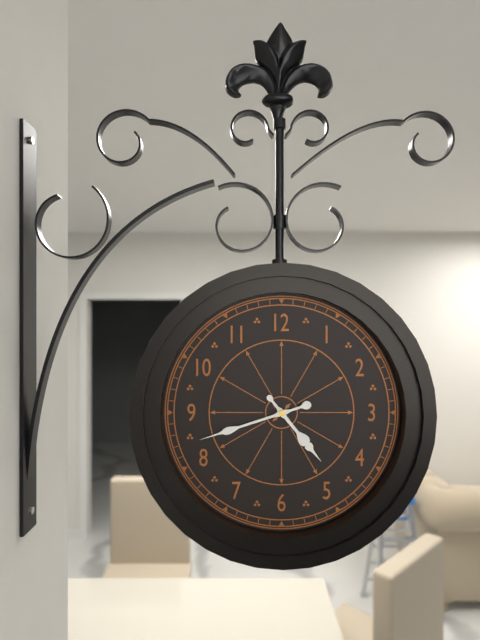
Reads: 4 h 42 min
